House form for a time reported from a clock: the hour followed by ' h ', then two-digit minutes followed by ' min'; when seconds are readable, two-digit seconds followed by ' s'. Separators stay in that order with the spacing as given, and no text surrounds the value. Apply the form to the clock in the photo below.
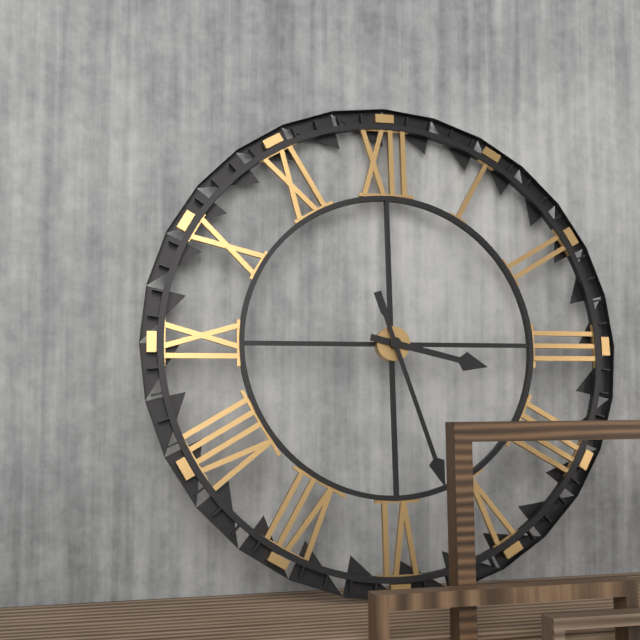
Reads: 3 h 27 min
